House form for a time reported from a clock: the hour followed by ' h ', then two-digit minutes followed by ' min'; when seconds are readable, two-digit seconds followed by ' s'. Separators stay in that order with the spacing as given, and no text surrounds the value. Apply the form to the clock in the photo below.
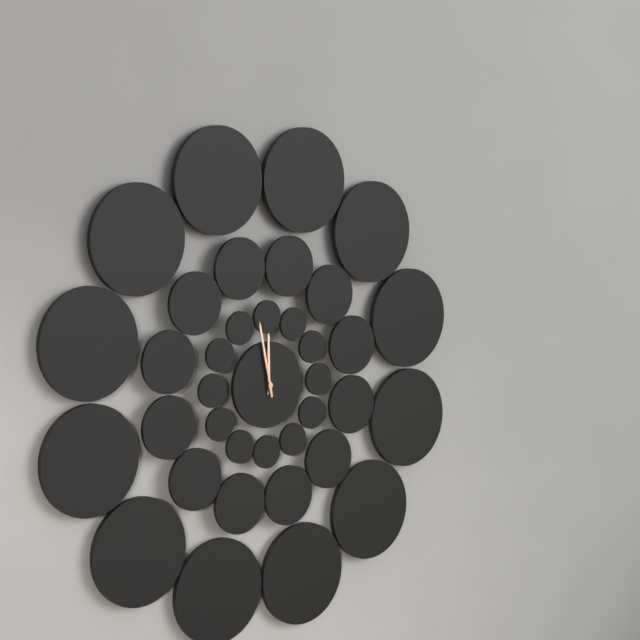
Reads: 11 h 58 min
